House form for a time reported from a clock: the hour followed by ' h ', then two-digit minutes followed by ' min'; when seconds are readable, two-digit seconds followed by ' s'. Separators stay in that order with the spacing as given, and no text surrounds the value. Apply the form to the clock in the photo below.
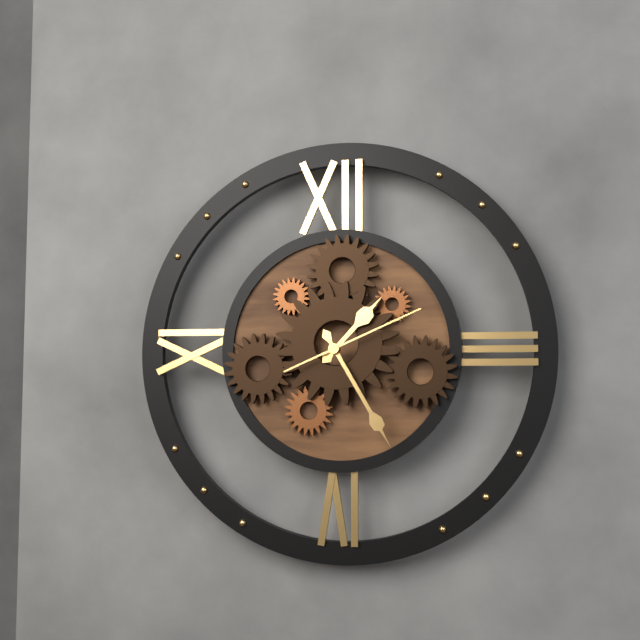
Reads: 1 h 25 min 11 s
